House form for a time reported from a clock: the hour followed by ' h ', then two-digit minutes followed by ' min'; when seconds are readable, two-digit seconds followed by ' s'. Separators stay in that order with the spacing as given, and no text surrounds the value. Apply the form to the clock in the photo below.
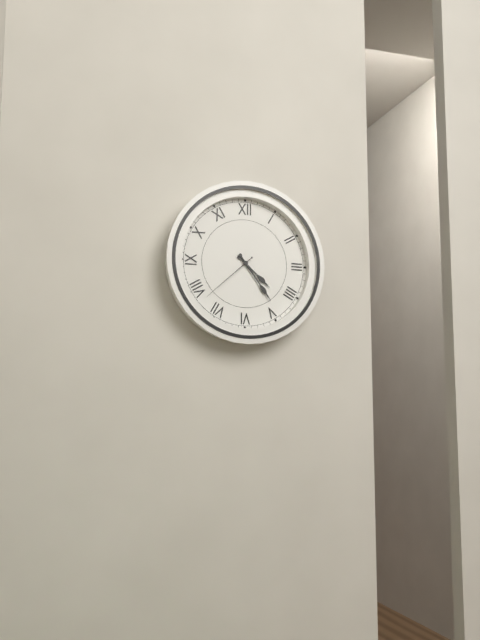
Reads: 4 h 24 min 38 s
